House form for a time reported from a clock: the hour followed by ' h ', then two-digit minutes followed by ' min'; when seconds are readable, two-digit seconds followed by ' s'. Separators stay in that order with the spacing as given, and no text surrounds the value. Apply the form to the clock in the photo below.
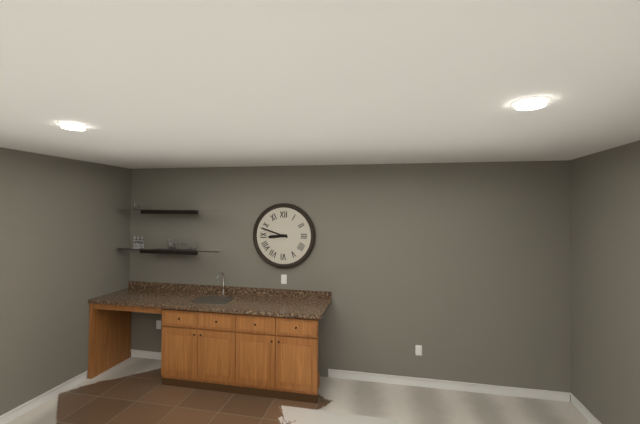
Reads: 8 h 48 min
